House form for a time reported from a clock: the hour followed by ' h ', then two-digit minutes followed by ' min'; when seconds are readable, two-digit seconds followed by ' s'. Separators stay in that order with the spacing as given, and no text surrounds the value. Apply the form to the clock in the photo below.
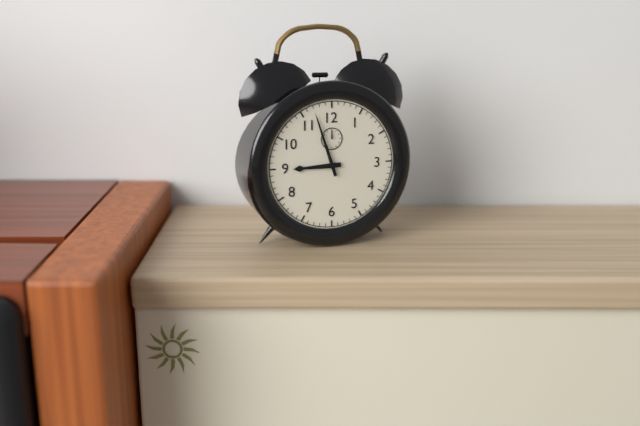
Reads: 8 h 57 min
